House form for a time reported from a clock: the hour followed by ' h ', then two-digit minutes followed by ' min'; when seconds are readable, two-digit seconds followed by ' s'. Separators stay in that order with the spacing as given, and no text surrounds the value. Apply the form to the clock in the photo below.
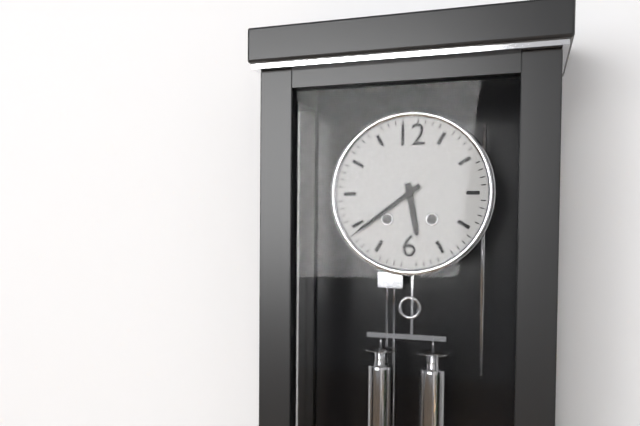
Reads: 5 h 39 min
